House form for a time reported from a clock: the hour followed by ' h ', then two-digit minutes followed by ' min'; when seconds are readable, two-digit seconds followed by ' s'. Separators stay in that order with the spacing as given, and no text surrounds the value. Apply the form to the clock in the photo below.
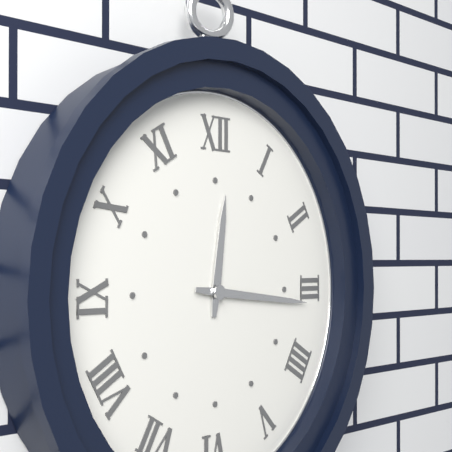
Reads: 12 h 16 min
